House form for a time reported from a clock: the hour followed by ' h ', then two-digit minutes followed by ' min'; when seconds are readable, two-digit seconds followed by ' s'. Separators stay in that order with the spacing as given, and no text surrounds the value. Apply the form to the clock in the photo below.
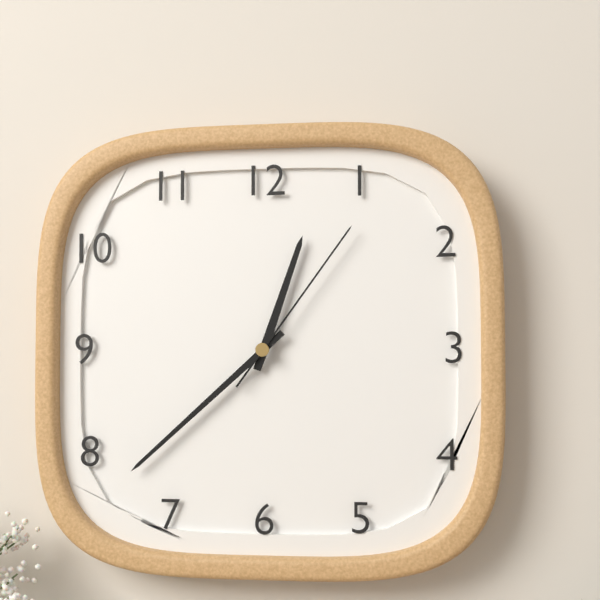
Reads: 12 h 38 min 06 s
